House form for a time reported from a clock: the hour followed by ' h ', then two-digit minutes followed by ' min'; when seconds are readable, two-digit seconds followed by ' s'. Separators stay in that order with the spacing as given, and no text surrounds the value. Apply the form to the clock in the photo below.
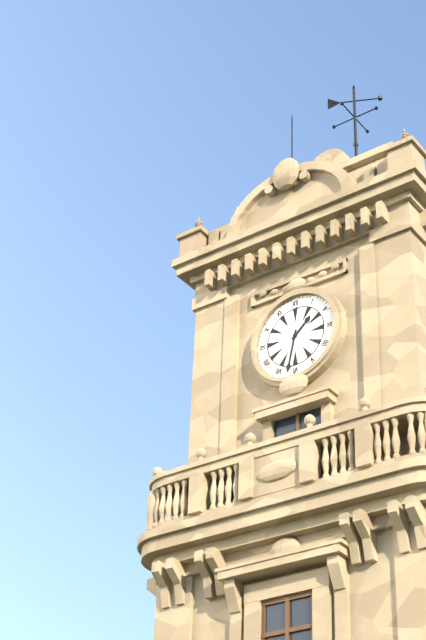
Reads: 1 h 32 min
